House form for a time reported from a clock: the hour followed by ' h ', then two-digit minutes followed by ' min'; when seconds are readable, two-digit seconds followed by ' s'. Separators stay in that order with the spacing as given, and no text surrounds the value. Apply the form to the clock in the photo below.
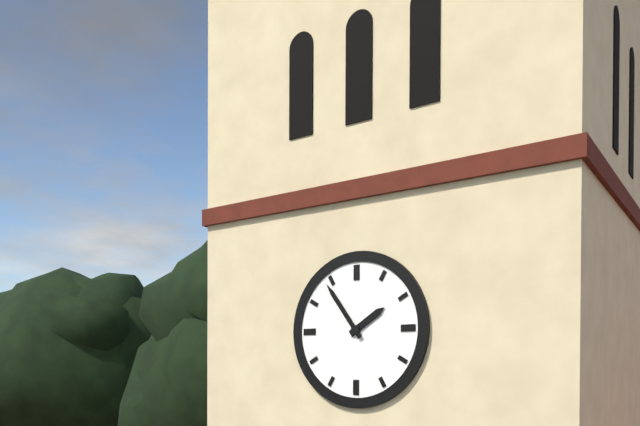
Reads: 1 h 54 min
